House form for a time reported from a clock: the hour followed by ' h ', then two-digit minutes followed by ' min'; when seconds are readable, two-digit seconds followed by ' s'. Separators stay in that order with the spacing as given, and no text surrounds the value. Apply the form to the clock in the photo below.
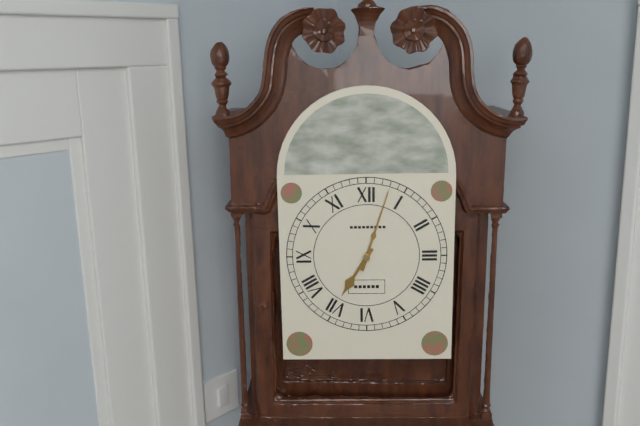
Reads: 7 h 03 min
